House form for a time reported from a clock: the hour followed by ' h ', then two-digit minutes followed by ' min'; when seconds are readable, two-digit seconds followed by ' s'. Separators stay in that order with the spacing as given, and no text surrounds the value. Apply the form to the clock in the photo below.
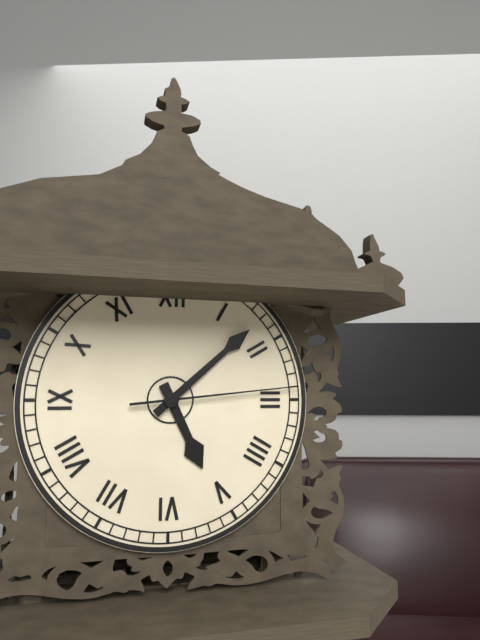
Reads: 5 h 08 min 14 s
